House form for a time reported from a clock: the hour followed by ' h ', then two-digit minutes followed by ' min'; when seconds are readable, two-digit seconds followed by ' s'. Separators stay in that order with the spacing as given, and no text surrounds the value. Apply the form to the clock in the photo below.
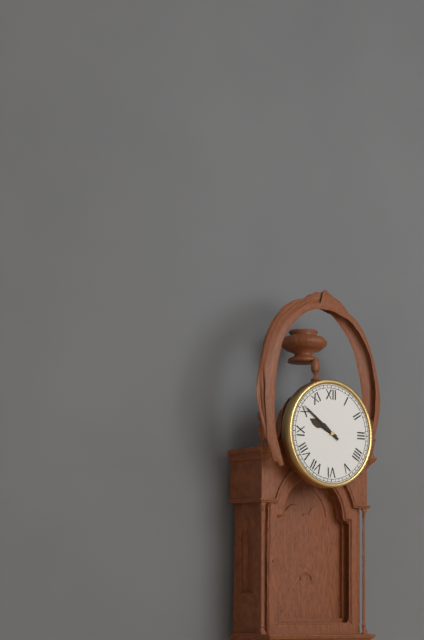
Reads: 9 h 51 min
